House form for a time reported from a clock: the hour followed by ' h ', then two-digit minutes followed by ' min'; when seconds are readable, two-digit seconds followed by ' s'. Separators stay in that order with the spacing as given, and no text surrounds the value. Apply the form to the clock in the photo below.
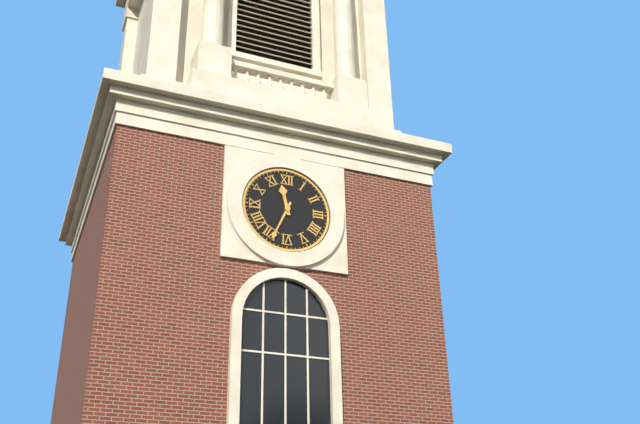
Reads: 11 h 34 min
